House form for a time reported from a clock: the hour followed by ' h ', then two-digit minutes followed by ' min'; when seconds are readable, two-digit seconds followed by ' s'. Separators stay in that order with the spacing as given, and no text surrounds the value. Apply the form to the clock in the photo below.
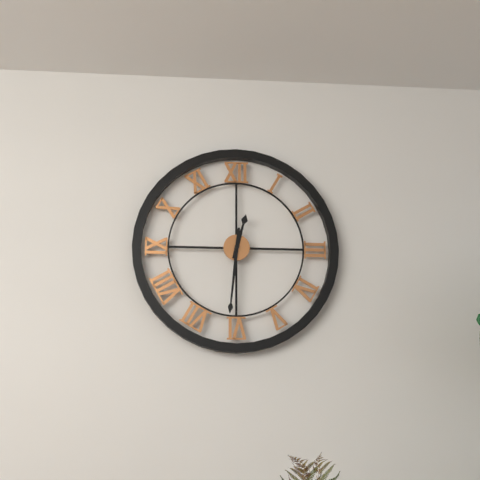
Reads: 12 h 31 min
